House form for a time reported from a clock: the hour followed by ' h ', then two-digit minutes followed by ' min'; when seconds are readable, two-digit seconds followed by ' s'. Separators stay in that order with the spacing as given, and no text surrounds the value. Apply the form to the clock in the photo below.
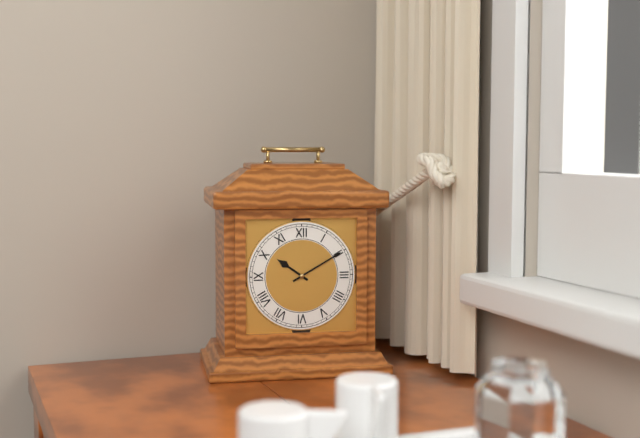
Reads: 10 h 10 min
